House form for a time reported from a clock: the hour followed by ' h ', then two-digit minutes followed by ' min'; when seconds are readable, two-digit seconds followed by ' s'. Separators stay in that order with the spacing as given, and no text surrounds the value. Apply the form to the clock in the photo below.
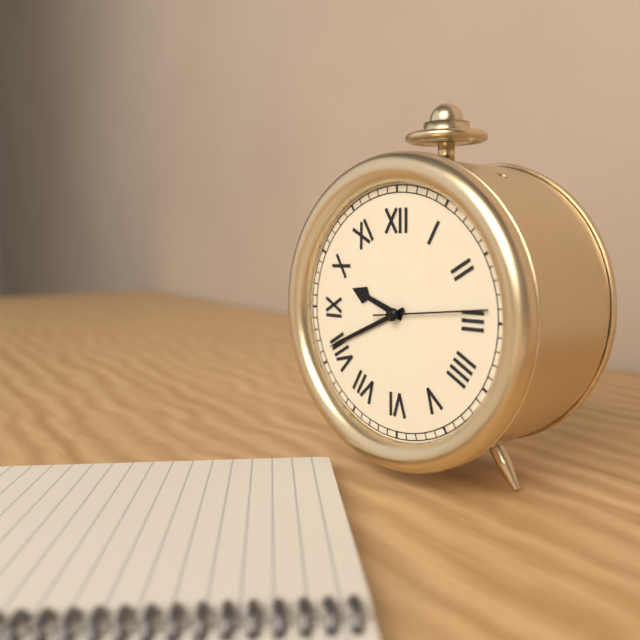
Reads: 9 h 41 min 14 s
